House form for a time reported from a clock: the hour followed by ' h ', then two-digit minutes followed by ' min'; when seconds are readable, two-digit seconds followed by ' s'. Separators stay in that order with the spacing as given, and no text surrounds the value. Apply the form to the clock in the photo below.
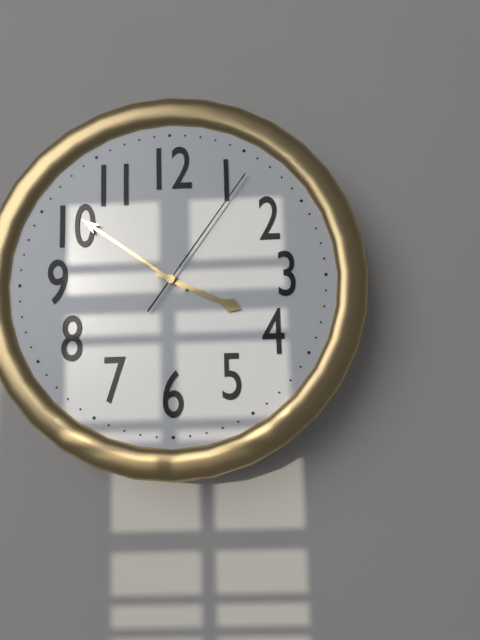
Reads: 3 h 51 min 06 s
